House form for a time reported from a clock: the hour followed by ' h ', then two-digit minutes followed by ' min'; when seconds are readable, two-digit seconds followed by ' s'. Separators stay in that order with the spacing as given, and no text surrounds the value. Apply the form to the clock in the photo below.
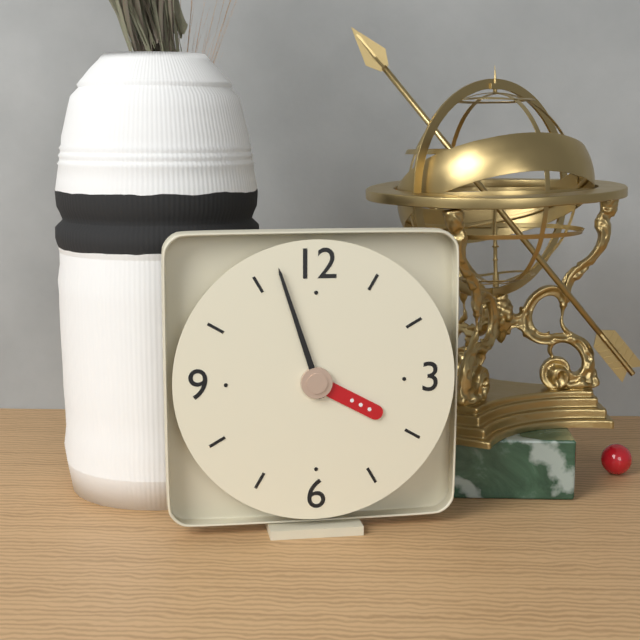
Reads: 3 h 57 min
